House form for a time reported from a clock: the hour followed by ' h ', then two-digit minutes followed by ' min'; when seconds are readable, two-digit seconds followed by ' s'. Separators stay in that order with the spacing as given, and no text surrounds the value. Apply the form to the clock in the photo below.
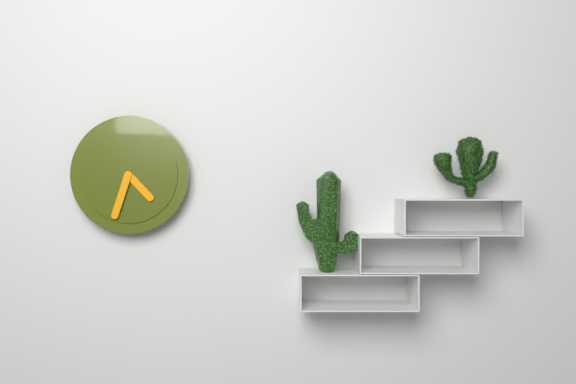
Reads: 4 h 33 min
